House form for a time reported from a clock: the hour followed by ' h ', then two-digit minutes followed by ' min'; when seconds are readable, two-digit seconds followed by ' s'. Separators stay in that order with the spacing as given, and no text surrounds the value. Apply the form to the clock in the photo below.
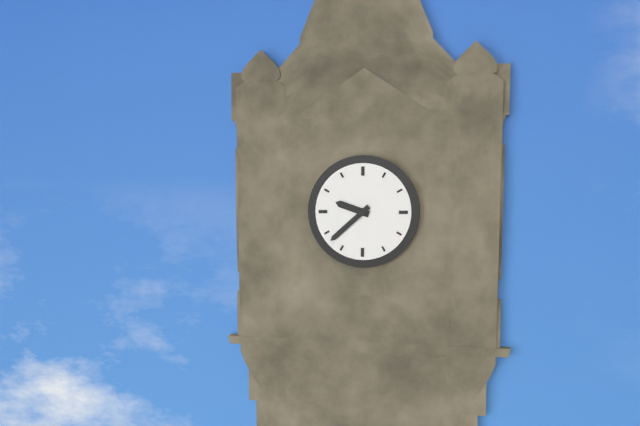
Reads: 9 h 38 min
